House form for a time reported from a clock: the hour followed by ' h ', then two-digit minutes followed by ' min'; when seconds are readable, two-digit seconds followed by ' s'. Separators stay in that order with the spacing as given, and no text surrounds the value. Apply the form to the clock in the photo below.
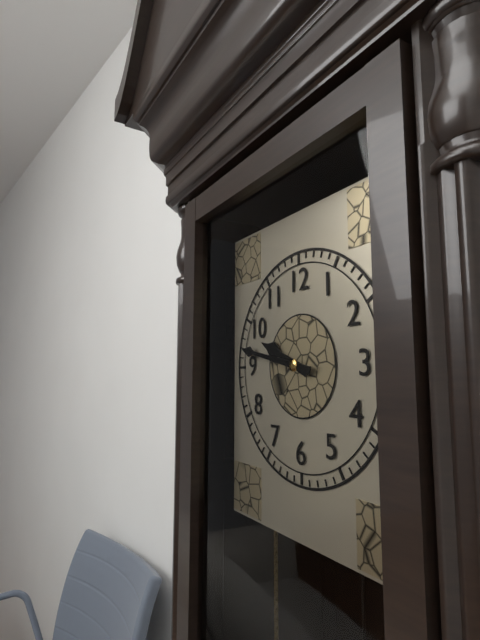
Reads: 9 h 47 min
